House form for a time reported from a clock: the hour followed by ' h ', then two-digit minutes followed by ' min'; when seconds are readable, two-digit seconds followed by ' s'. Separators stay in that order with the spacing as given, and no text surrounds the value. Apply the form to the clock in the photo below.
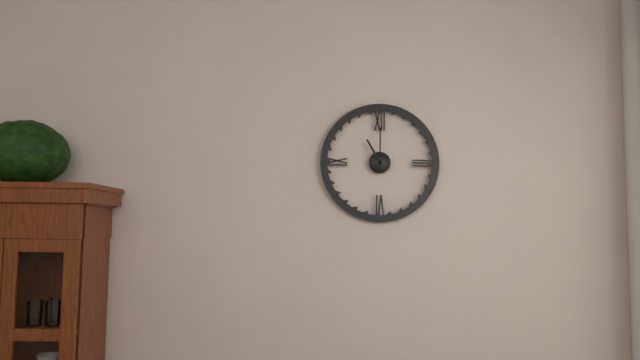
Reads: 11 h 00 min
